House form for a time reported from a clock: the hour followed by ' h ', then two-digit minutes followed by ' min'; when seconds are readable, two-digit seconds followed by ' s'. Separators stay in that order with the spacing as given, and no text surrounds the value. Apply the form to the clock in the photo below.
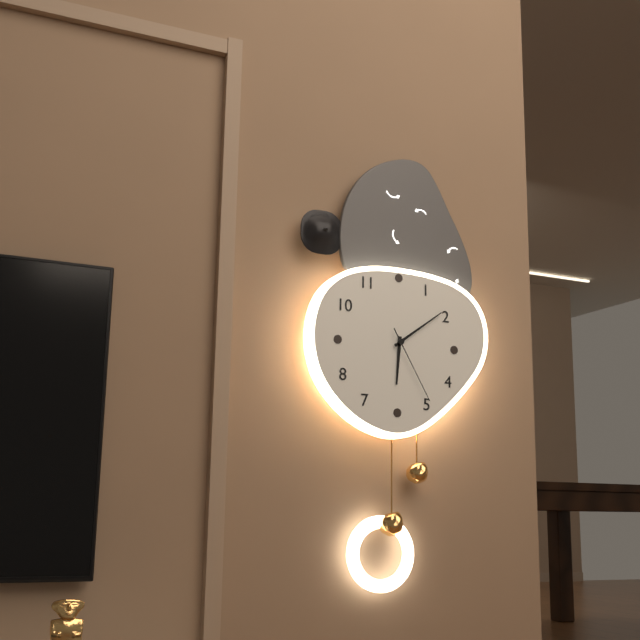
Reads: 6 h 09 min 25 s
